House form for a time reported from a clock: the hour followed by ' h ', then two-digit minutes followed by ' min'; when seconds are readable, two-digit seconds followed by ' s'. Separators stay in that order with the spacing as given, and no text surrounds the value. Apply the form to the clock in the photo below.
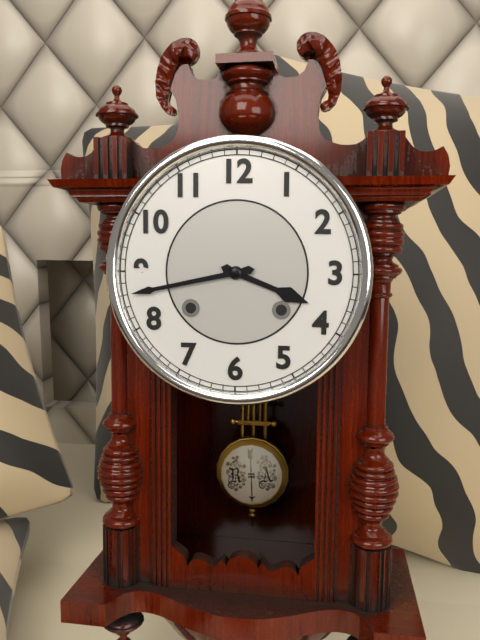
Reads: 3 h 43 min
